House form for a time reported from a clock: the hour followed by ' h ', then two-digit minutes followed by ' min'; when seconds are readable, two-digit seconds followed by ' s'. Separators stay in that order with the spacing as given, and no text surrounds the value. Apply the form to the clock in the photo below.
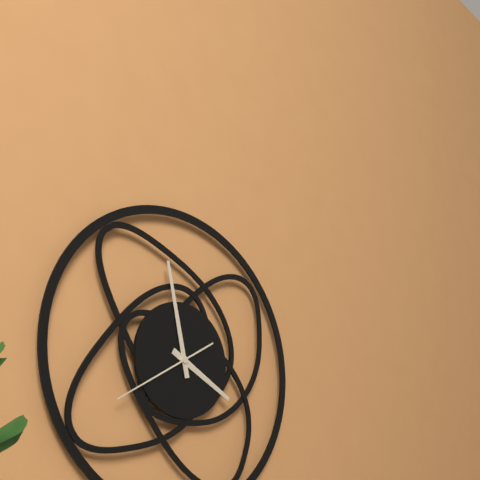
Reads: 3 h 58 min 40 s
